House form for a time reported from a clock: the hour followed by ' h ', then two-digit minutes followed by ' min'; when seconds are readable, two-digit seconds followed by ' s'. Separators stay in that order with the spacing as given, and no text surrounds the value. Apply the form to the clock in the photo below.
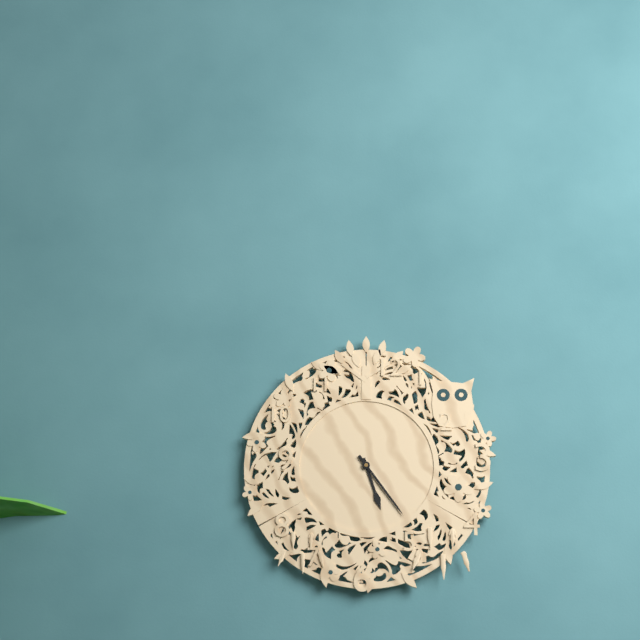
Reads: 5 h 24 min
